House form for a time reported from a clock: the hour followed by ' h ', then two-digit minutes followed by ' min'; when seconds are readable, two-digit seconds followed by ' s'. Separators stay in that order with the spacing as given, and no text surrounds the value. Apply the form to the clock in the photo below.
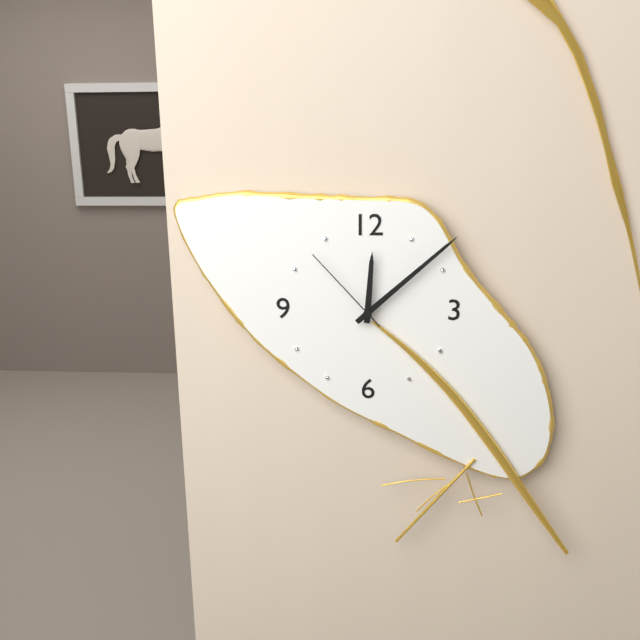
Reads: 12 h 08 min 53 s
